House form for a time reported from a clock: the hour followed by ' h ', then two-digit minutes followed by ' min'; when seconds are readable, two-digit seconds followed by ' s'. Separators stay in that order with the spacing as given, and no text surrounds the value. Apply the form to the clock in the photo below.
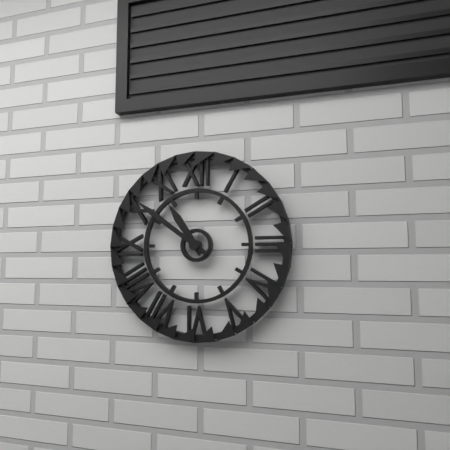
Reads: 10 h 51 min
